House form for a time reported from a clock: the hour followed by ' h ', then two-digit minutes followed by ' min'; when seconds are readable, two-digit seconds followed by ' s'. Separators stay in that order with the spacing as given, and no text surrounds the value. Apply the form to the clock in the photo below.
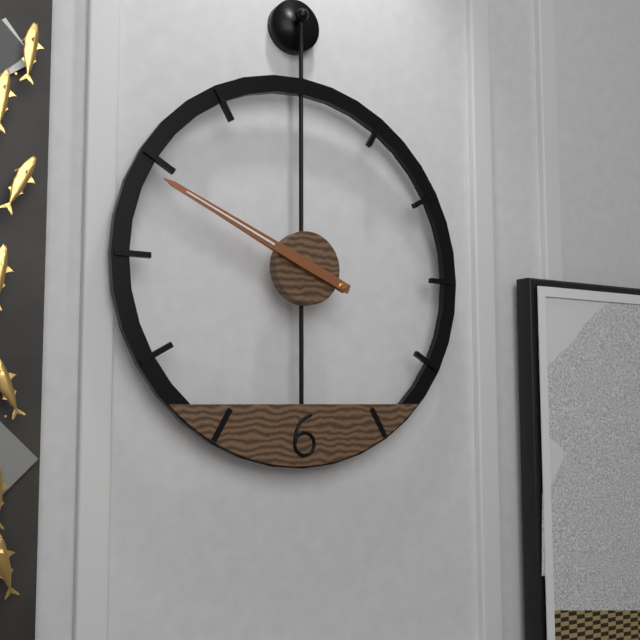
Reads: 9 h 49 min
